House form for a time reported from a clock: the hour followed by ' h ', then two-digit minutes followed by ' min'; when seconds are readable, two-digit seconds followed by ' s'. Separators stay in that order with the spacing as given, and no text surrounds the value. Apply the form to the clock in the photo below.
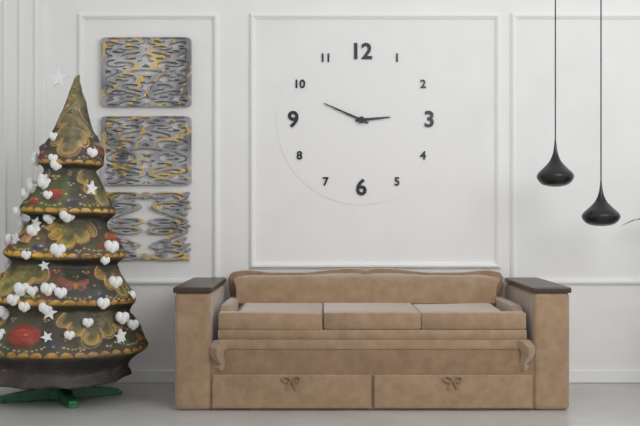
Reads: 2 h 49 min
